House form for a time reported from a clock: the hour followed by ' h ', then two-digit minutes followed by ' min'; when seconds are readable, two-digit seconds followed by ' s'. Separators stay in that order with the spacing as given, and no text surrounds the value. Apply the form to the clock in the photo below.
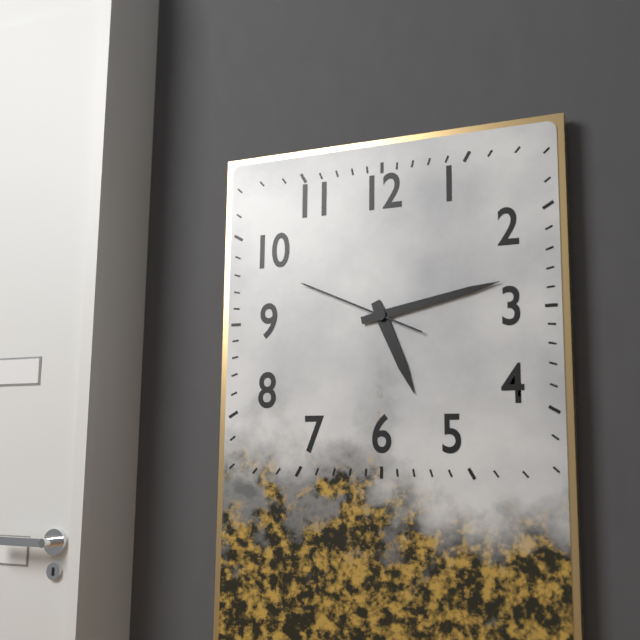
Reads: 5 h 13 min 49 s
